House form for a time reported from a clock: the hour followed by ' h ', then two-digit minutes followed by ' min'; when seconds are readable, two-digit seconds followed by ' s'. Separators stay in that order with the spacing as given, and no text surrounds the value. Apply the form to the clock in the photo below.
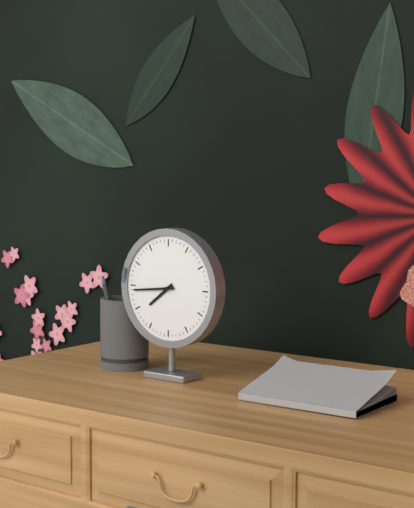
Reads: 7 h 44 min
